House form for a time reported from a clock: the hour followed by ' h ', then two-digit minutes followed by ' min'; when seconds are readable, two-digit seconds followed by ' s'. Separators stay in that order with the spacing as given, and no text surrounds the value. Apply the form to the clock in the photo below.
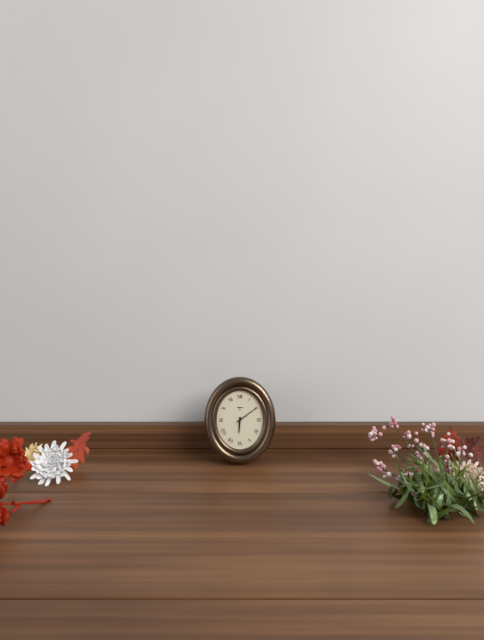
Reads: 6 h 09 min
